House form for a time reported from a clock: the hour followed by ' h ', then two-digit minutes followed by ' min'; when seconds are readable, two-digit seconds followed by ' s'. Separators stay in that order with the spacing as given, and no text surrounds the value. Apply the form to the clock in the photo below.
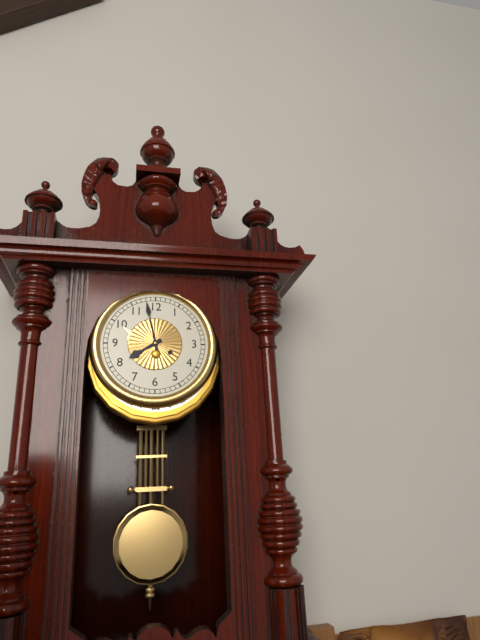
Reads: 7 h 58 min
